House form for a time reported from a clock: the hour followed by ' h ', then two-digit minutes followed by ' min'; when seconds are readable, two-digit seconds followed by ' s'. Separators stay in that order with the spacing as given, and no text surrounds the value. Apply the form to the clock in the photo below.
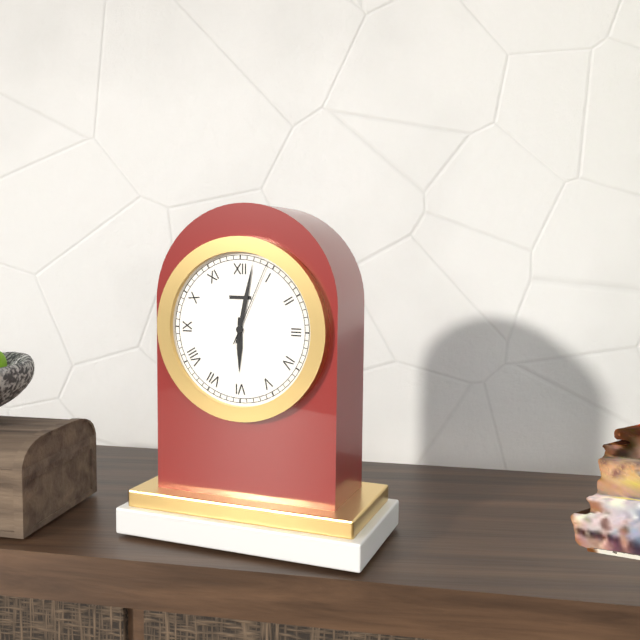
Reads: 6 h 02 min 04 s
